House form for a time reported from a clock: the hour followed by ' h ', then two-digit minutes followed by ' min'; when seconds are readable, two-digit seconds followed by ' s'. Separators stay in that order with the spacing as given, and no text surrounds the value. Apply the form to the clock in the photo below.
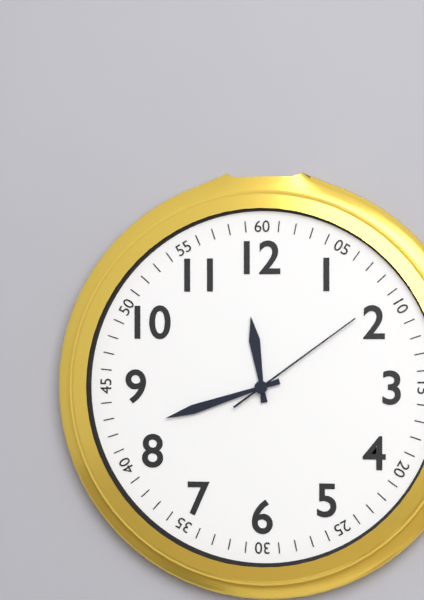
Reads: 11 h 42 min 09 s
